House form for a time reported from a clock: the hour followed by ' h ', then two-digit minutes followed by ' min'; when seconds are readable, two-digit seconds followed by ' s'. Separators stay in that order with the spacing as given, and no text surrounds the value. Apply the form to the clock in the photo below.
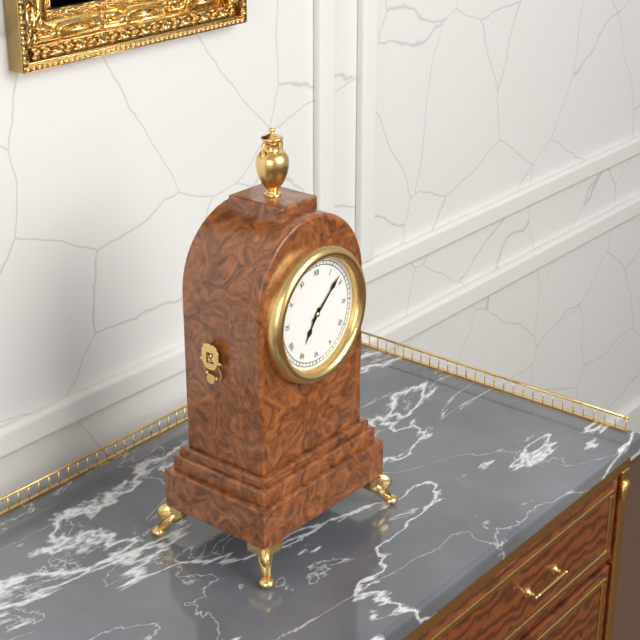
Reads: 7 h 08 min
